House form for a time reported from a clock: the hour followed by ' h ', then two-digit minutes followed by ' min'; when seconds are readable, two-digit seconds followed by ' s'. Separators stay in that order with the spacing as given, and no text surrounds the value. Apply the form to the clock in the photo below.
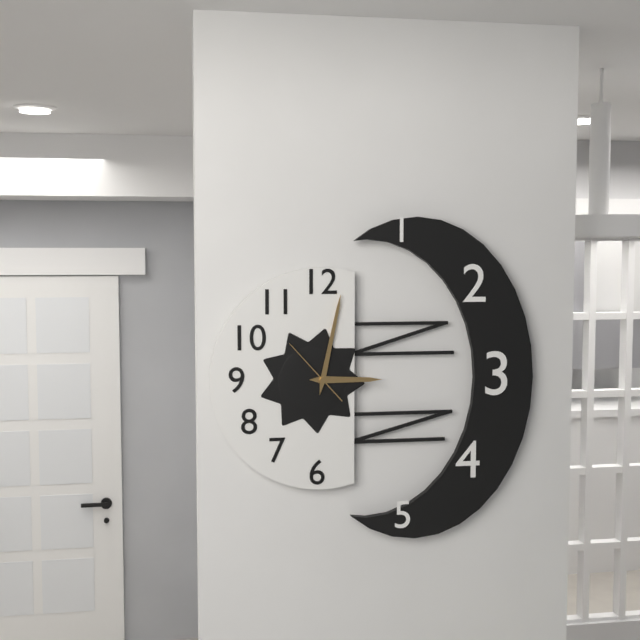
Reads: 3 h 02 min 53 s
